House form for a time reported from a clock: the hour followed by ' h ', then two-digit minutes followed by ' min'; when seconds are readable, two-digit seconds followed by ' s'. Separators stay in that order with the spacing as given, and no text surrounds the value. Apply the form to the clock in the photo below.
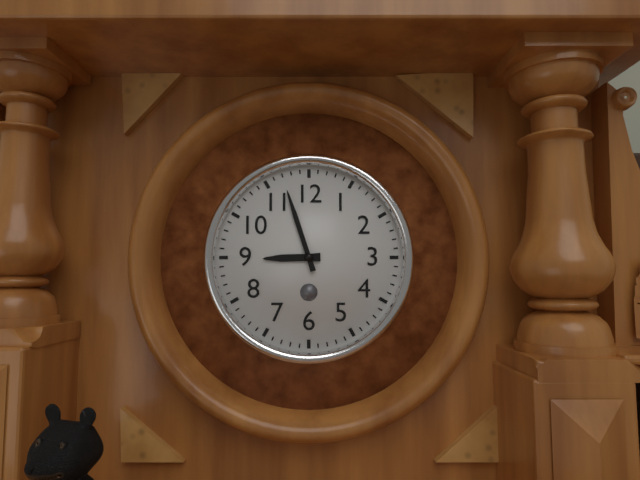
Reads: 8 h 57 min
